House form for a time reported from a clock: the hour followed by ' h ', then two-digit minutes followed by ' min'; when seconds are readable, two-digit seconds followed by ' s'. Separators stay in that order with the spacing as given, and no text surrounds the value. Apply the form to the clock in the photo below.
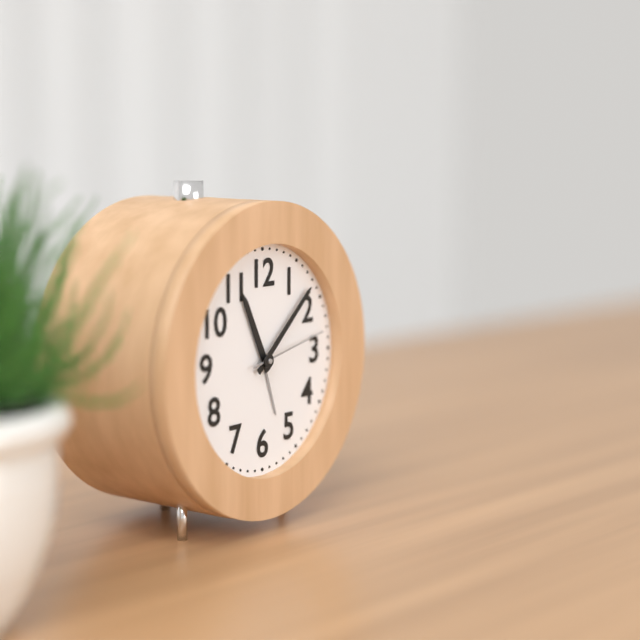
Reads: 11 h 08 min 13 s
